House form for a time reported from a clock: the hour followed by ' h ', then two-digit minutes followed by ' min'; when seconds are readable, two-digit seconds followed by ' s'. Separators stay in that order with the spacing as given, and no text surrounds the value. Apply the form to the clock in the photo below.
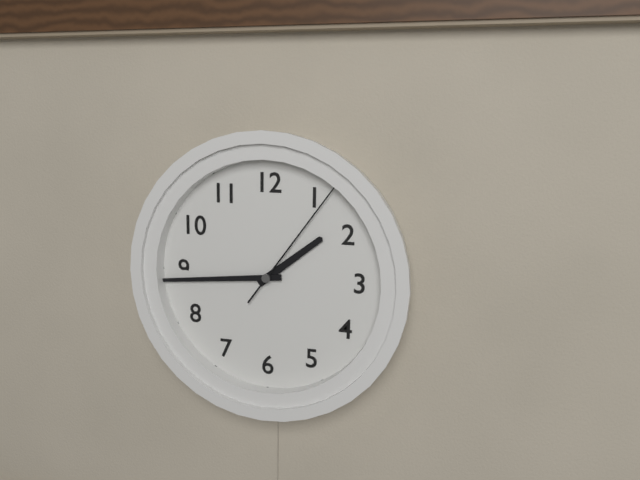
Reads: 1 h 44 min 06 s
